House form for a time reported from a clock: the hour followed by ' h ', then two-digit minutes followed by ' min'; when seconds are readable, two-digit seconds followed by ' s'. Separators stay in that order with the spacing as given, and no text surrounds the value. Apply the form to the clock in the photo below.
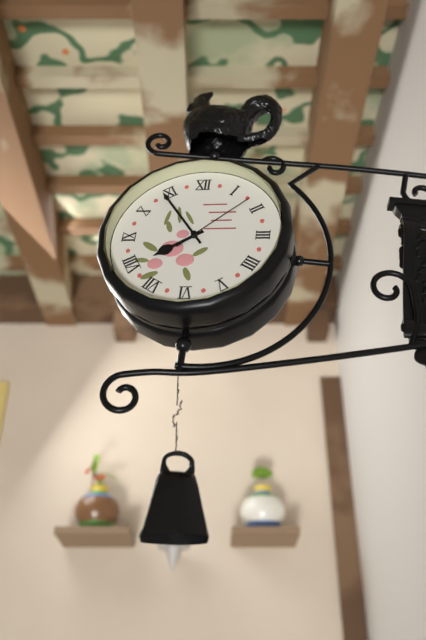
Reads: 7 h 54 min 08 s
